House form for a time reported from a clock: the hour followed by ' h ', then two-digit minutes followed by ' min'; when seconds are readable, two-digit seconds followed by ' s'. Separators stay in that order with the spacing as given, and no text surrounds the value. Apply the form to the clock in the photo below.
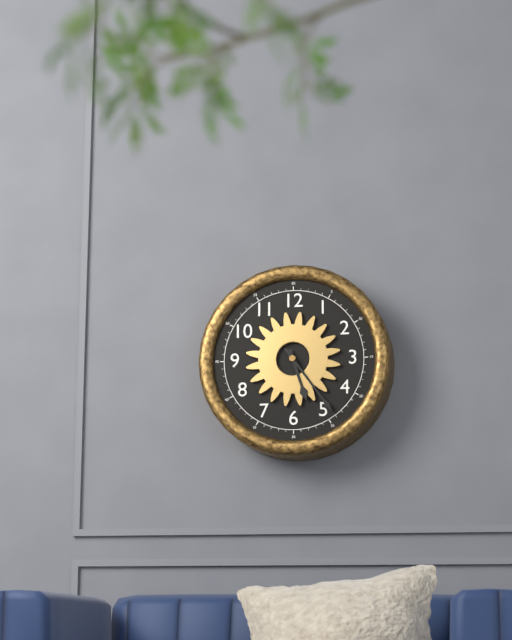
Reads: 5 h 24 min
